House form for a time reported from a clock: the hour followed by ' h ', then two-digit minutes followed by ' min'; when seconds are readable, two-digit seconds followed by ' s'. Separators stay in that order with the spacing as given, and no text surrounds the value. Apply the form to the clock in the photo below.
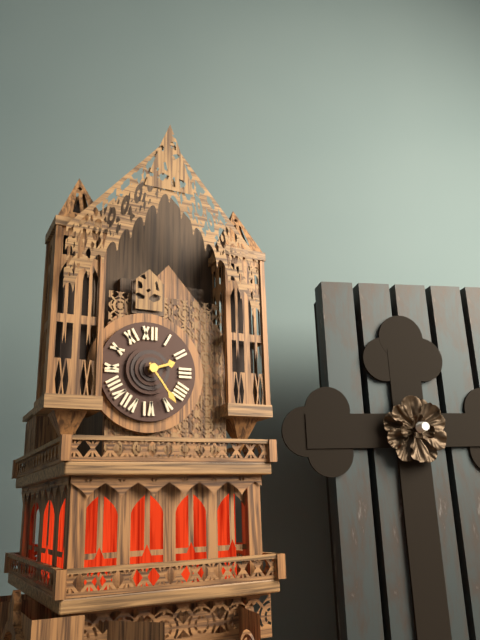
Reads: 2 h 24 min
